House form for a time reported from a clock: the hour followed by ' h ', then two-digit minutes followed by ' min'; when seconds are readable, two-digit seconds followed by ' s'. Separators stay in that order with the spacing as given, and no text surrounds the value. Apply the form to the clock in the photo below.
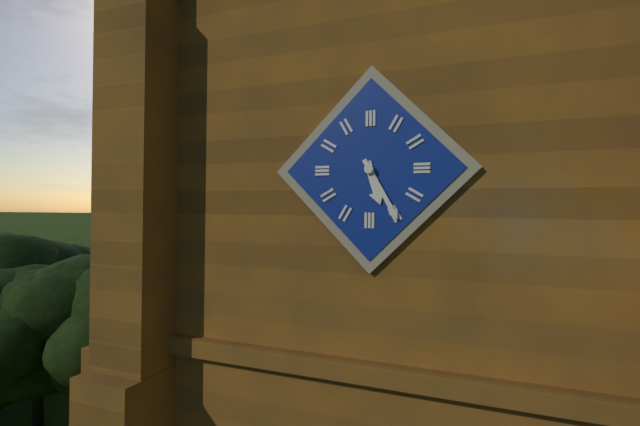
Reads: 5 h 25 min
